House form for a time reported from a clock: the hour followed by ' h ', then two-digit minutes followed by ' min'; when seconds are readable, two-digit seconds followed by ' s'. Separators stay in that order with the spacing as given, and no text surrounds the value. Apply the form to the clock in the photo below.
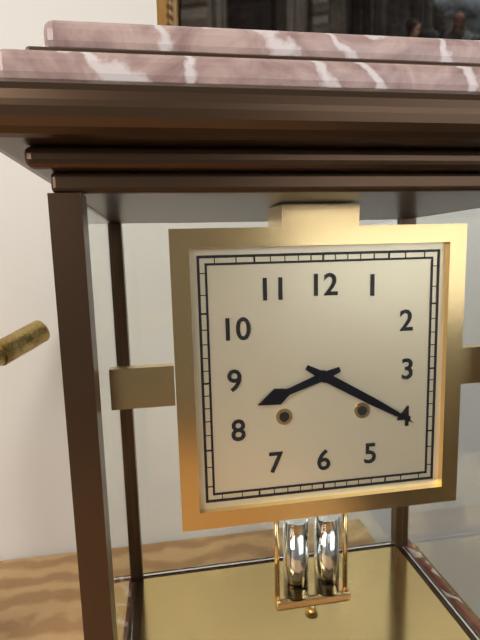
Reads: 8 h 20 min
